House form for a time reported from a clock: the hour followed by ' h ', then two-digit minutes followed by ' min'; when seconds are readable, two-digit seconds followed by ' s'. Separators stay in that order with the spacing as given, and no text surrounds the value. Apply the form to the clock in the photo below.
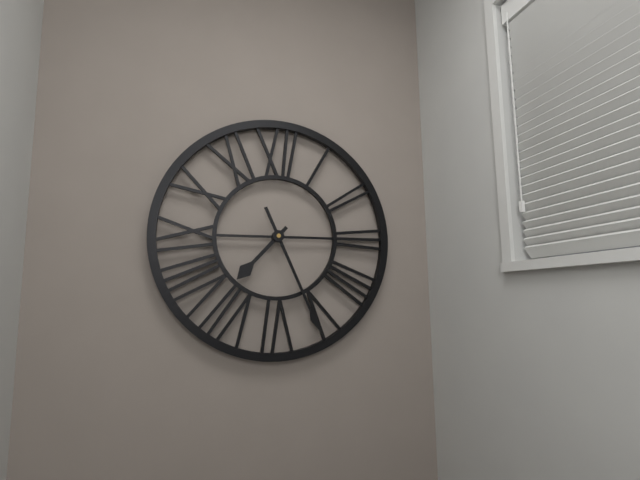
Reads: 7 h 26 min
